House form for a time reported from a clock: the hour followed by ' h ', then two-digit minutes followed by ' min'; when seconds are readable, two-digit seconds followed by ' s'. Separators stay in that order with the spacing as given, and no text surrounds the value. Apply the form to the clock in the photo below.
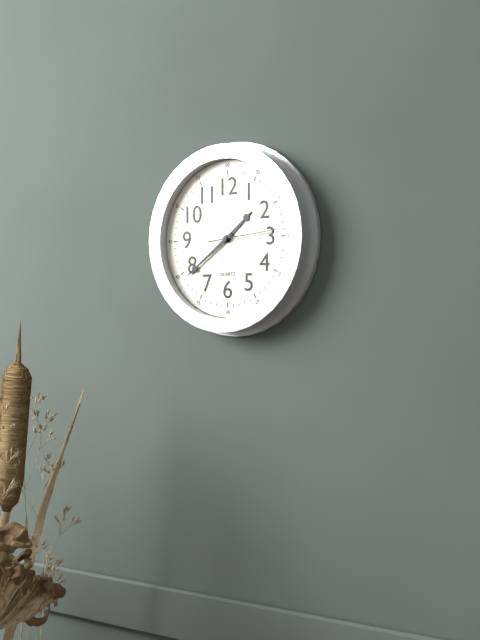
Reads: 1 h 39 min 14 s
